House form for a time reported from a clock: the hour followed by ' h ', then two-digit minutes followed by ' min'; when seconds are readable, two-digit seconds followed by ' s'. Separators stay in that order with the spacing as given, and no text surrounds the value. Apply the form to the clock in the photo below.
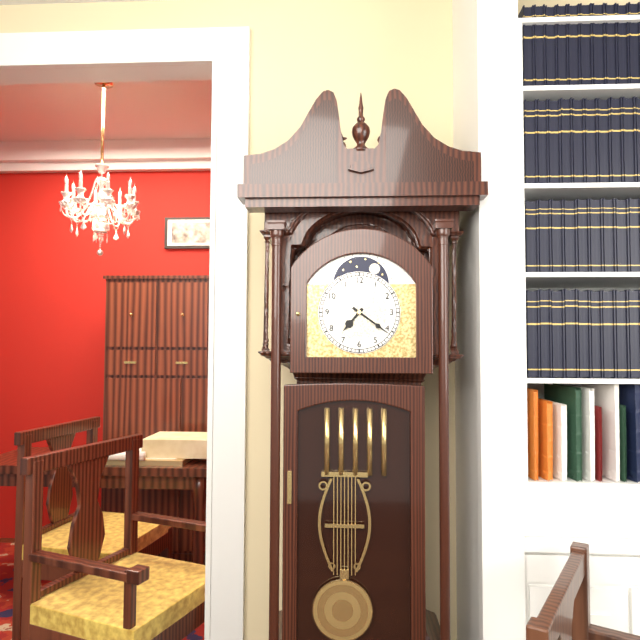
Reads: 7 h 21 min
